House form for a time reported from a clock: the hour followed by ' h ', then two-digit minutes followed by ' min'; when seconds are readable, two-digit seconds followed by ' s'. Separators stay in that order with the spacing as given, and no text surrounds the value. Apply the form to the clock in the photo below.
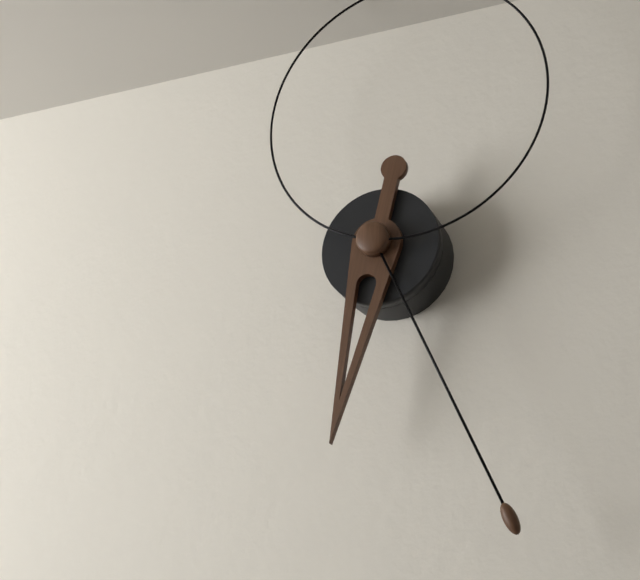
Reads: 6 h 26 min
